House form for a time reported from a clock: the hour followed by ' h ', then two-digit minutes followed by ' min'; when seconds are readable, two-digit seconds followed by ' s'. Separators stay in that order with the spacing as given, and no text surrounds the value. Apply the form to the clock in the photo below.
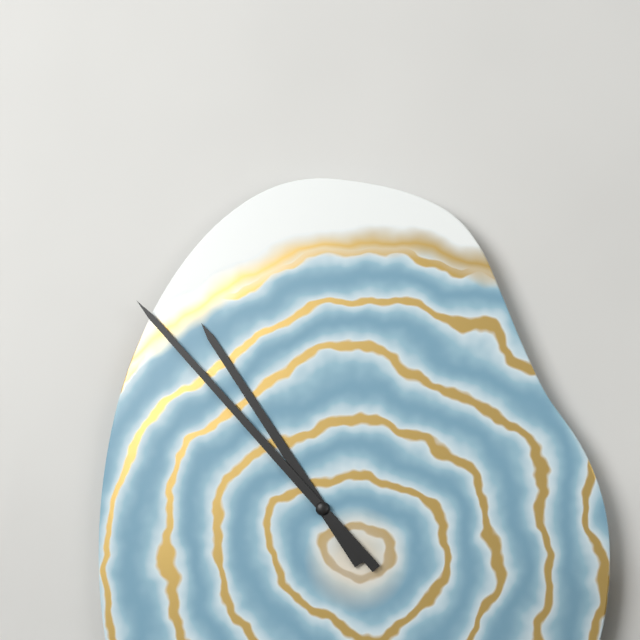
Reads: 10 h 53 min
